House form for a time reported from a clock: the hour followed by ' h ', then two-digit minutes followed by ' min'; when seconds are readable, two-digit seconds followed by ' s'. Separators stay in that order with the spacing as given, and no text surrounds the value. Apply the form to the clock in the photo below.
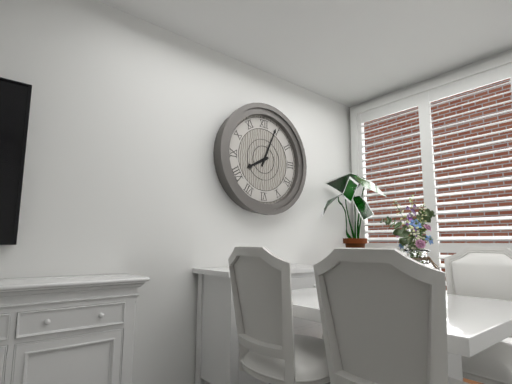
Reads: 8 h 04 min
